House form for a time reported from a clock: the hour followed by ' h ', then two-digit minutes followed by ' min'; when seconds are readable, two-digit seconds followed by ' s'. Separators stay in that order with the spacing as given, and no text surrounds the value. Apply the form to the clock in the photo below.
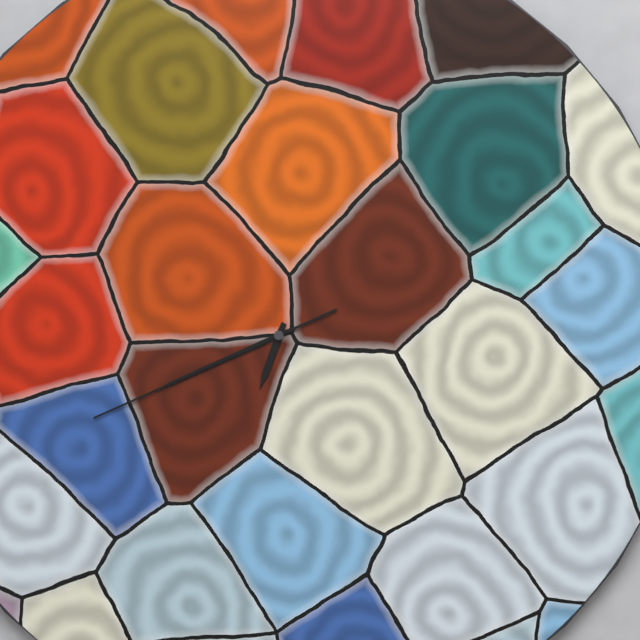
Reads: 6 h 41 min 41 s
